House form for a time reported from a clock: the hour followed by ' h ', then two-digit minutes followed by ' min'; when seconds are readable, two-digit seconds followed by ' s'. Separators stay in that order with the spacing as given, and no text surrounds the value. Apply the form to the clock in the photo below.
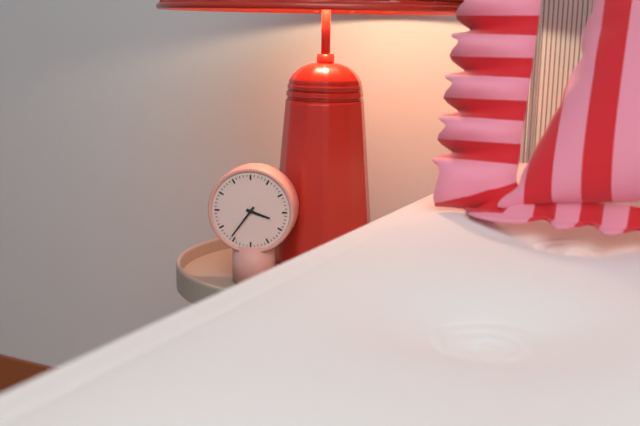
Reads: 3 h 36 min
